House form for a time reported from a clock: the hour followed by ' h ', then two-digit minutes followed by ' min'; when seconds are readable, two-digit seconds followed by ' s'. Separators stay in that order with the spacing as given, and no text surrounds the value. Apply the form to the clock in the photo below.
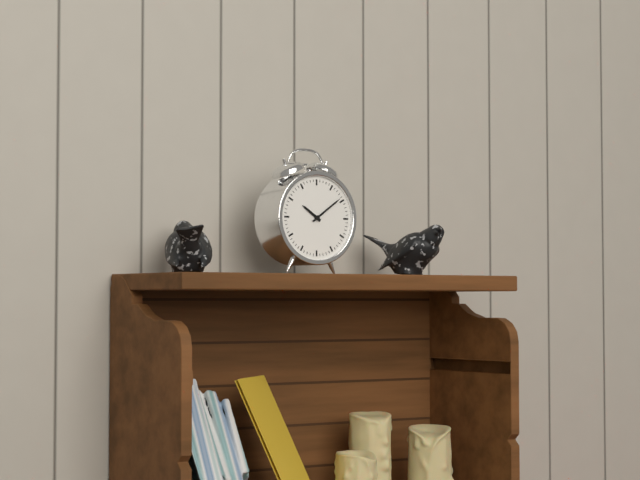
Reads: 10 h 09 min
